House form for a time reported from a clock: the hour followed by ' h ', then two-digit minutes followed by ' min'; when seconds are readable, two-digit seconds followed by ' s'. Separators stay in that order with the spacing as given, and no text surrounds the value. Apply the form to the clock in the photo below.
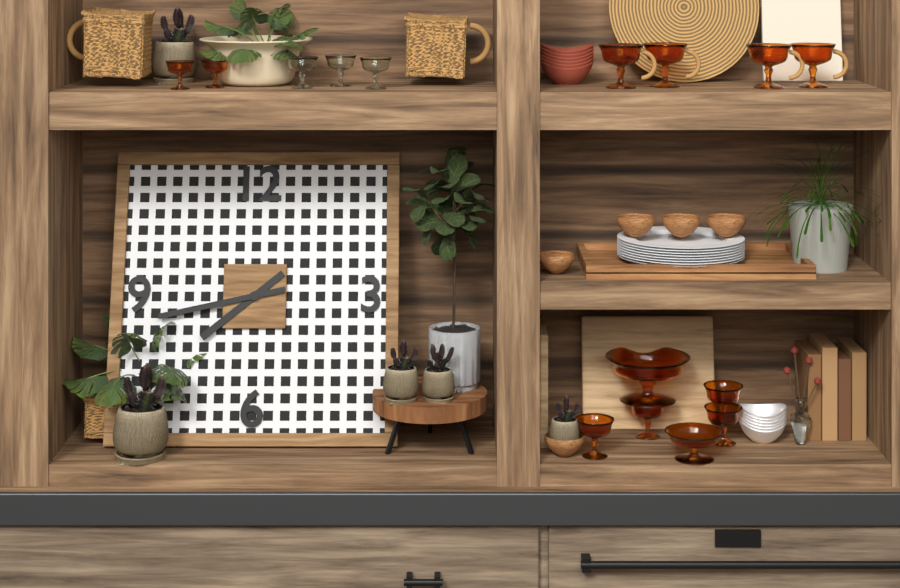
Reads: 7 h 43 min
